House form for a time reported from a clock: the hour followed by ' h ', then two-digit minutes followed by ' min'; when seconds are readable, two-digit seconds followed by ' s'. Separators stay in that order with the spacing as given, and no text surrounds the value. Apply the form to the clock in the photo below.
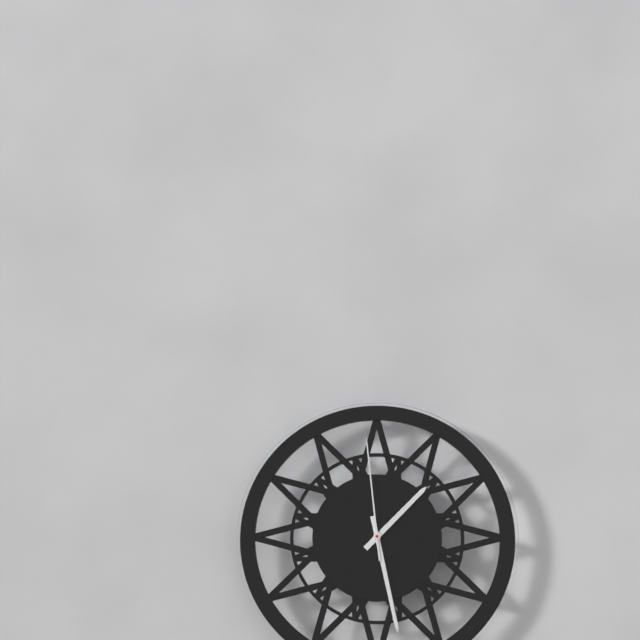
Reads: 1 h 28 min 59 s
